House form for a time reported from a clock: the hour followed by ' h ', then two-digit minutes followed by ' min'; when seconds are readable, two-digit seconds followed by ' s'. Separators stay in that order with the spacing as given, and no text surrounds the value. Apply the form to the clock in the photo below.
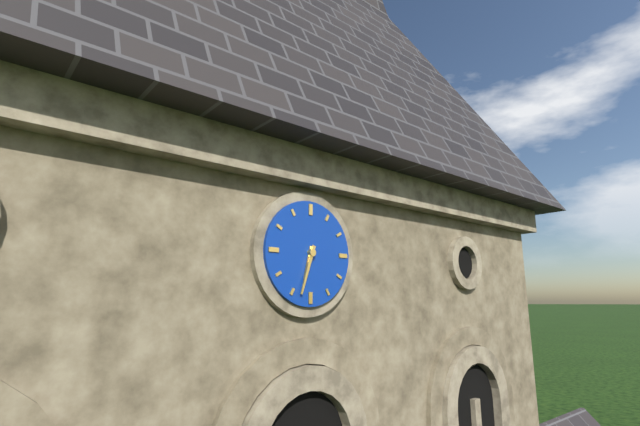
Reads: 6 h 33 min
